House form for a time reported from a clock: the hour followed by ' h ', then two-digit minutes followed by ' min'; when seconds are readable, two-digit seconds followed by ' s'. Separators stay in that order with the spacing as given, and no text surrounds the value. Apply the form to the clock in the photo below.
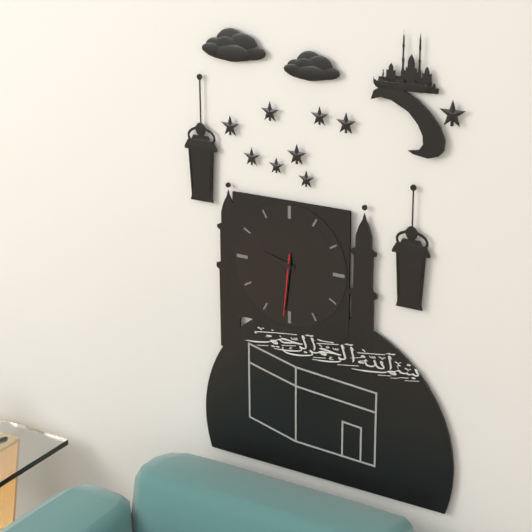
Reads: 9 h 31 min 31 s
